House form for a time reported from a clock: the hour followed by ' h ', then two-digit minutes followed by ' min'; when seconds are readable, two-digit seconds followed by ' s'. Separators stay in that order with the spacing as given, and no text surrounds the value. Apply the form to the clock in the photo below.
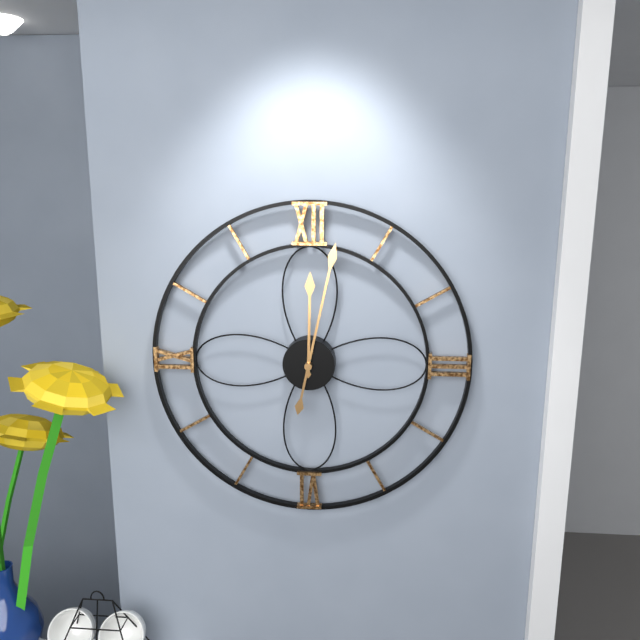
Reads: 12 h 02 min
